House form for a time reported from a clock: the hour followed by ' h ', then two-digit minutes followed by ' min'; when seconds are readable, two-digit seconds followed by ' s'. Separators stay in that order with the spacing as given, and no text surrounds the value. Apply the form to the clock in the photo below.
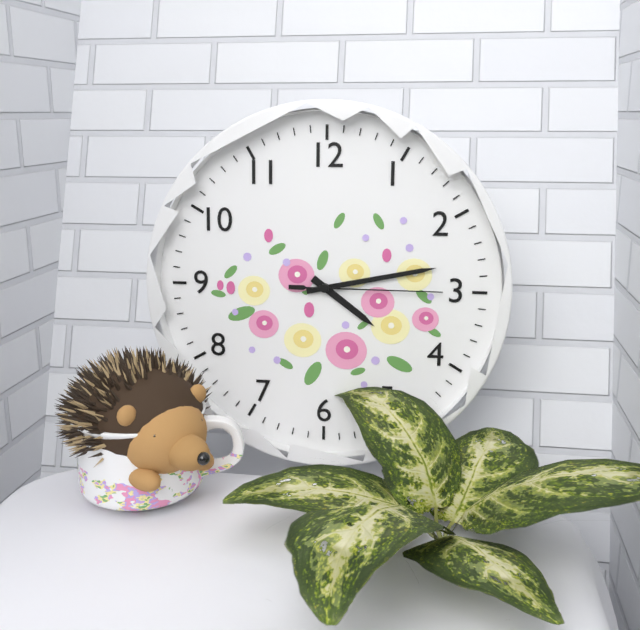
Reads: 4 h 13 min 15 s
